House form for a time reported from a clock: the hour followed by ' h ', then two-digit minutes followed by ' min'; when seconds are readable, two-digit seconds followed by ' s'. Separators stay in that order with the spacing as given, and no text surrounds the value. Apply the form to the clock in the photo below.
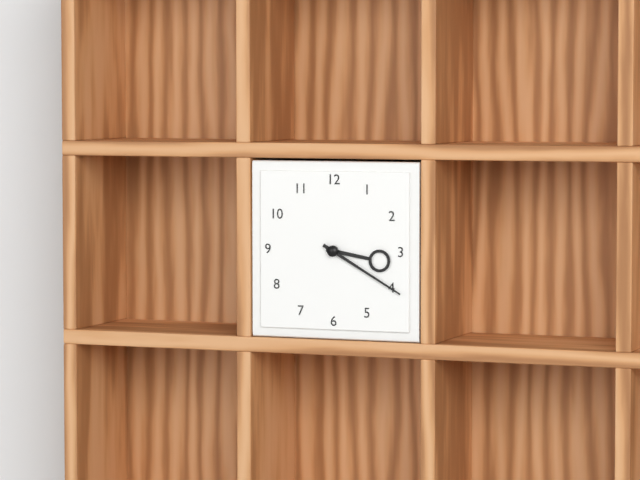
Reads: 3 h 20 min
